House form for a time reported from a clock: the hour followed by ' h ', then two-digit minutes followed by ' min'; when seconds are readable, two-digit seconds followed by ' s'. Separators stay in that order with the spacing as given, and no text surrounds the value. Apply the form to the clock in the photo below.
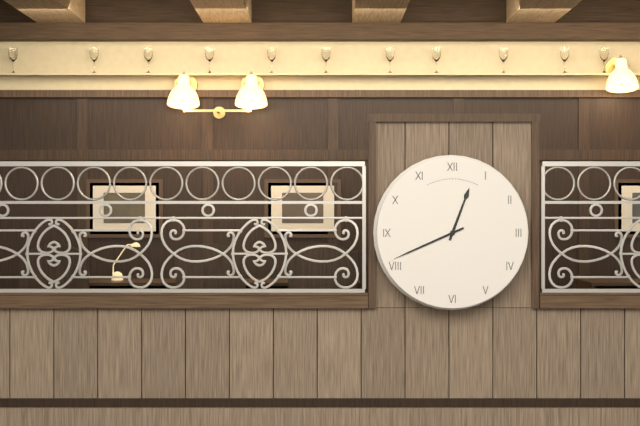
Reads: 12 h 41 min
